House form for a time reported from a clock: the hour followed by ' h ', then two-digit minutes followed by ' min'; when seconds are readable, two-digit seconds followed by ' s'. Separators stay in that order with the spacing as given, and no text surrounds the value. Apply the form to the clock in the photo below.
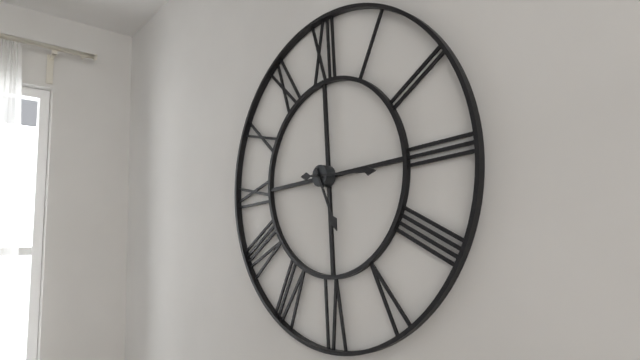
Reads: 5 h 16 min
